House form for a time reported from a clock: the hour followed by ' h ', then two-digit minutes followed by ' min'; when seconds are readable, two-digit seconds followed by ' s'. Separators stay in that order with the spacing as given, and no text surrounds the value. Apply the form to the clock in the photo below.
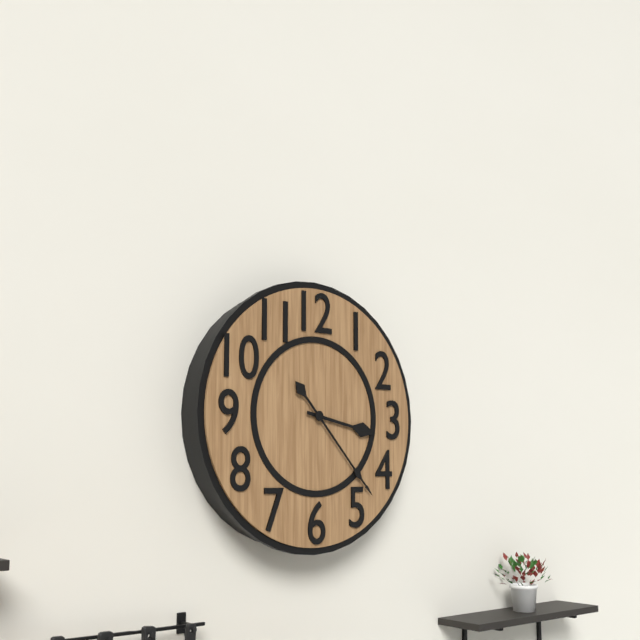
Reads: 3 h 23 min
